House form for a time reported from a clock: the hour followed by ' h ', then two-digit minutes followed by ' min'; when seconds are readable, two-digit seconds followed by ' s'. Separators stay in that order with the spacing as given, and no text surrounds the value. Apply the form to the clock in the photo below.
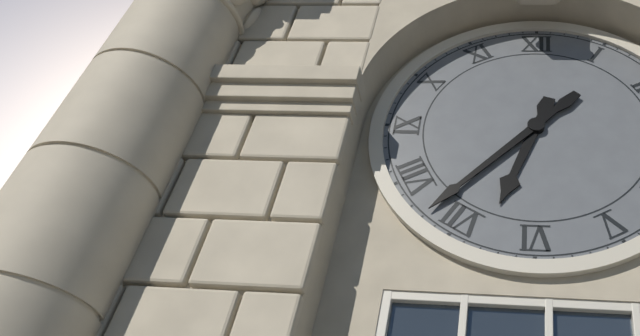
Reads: 6 h 37 min
